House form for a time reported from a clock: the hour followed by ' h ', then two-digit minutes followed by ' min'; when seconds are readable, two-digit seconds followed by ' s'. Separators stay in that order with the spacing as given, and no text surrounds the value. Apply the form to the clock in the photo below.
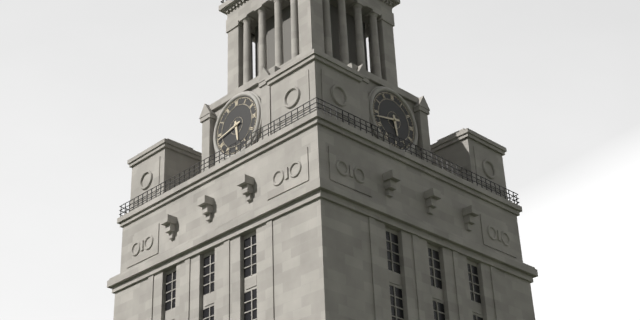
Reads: 5 h 43 min
